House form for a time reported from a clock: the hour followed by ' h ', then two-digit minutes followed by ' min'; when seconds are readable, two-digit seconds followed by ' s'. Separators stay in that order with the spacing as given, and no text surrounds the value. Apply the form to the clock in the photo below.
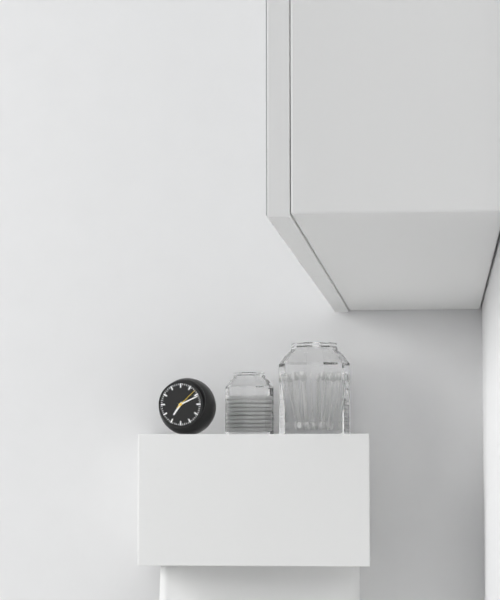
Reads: 7 h 11 min
